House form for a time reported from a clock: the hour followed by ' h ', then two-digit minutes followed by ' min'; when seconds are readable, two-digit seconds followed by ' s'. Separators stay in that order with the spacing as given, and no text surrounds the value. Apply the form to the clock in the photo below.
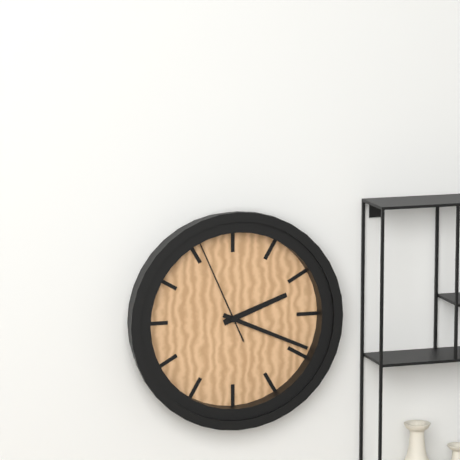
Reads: 2 h 19 min 56 s
